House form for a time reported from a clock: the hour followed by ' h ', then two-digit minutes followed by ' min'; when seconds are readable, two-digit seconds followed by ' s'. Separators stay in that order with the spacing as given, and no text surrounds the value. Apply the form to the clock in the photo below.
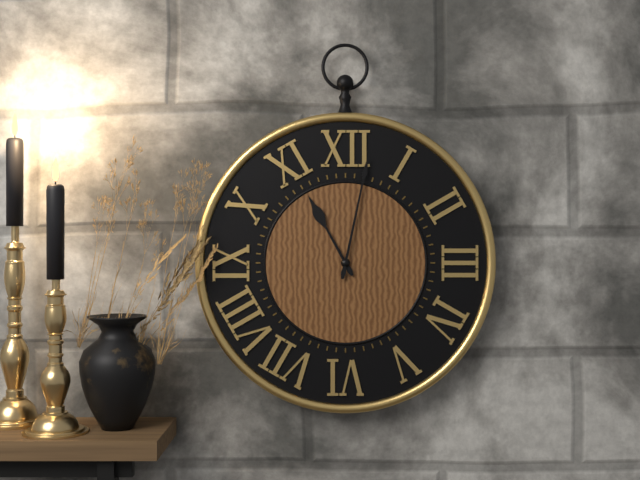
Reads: 11 h 02 min
